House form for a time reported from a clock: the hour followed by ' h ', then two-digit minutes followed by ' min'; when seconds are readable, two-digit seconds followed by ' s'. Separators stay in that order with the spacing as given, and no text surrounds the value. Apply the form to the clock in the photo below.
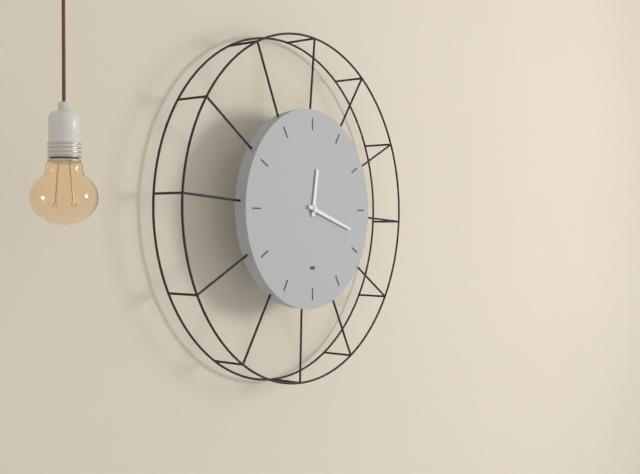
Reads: 12 h 18 min
